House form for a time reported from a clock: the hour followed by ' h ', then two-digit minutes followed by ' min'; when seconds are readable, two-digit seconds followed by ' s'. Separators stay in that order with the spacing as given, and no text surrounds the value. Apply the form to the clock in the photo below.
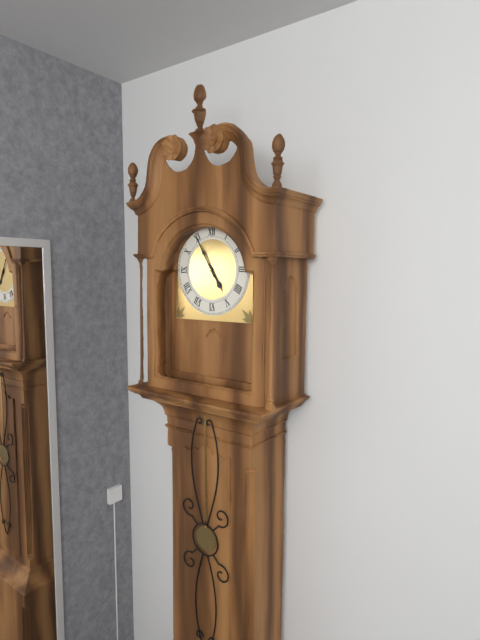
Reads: 4 h 55 min
